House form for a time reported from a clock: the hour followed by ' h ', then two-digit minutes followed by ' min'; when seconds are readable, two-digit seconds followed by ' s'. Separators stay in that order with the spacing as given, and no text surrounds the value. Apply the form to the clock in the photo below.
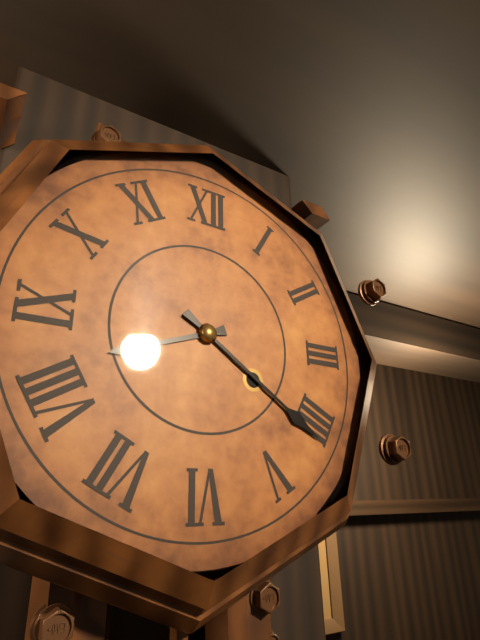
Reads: 8 h 21 min
